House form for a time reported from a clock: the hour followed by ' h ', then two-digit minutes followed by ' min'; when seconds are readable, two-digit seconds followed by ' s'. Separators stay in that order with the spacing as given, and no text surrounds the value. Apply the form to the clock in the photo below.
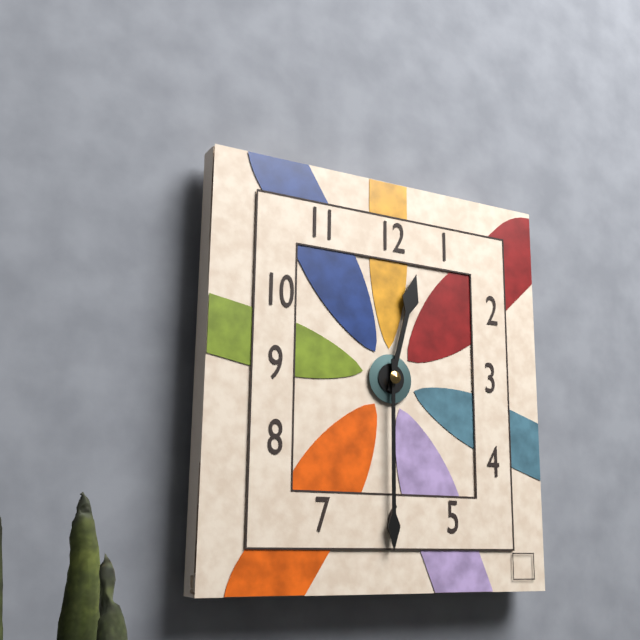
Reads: 12 h 30 min
